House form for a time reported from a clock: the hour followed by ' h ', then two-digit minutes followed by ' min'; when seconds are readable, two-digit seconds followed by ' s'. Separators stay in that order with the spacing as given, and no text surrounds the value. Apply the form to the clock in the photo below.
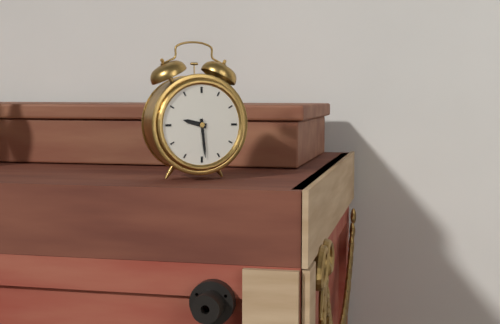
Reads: 9 h 29 min
